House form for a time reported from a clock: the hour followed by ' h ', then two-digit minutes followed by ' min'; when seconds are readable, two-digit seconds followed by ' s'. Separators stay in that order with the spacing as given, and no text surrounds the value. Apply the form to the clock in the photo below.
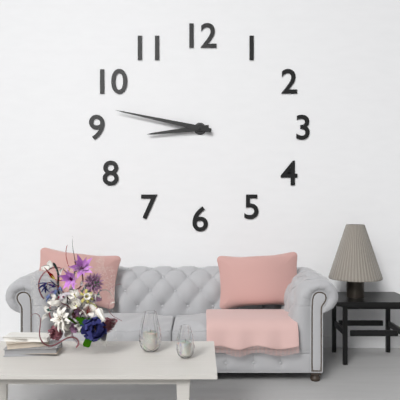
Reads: 8 h 47 min
